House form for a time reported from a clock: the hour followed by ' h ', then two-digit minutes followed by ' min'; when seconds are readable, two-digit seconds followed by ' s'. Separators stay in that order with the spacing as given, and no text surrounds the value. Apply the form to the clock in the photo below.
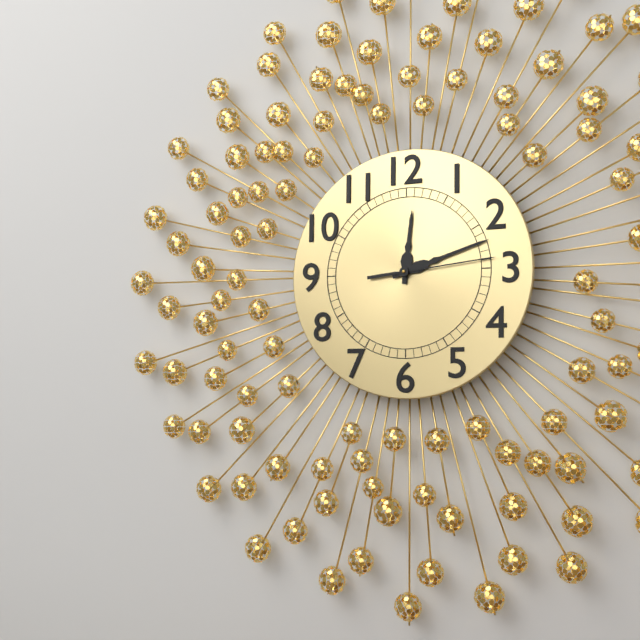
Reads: 12 h 12 min 14 s
